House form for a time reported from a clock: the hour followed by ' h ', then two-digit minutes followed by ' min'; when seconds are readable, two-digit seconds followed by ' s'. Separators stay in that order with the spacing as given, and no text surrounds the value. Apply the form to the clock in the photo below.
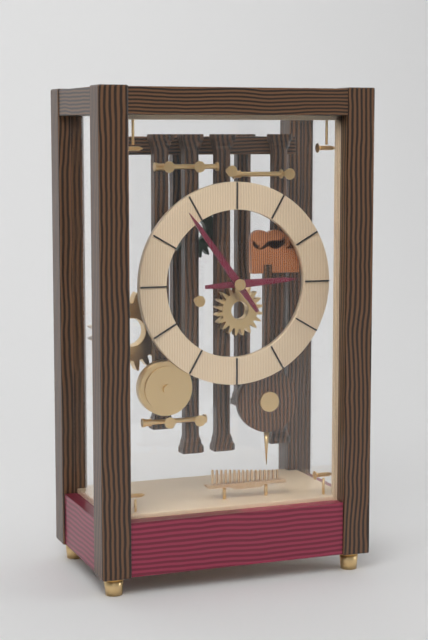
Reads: 2 h 54 min
